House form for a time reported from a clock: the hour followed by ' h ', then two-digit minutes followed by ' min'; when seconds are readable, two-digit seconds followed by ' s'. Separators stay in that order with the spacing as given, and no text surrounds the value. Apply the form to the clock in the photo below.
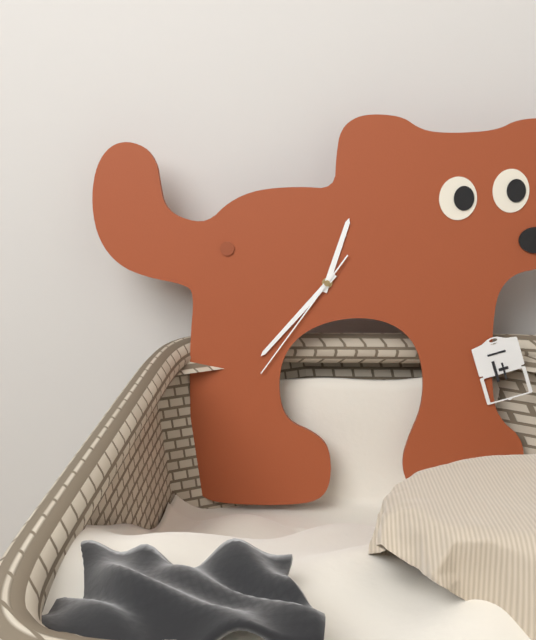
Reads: 12 h 37 min 36 s
